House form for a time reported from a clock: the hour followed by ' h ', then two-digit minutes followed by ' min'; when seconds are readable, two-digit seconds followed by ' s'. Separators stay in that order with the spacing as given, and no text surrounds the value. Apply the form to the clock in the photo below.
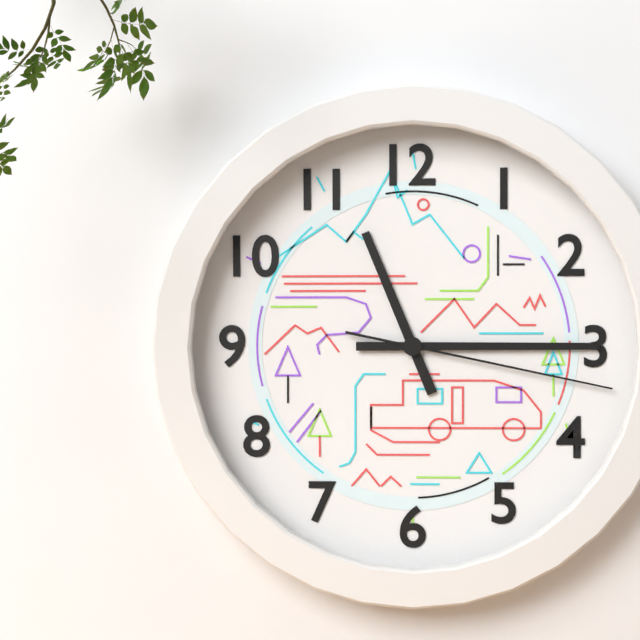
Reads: 11 h 15 min 17 s
